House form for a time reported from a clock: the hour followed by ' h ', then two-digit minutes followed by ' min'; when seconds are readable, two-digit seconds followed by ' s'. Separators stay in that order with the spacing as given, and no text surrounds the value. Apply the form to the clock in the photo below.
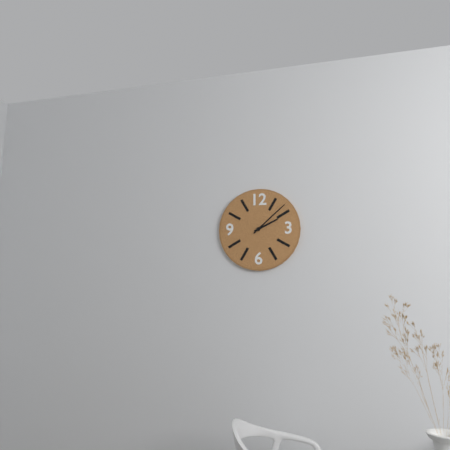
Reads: 2 h 08 min
